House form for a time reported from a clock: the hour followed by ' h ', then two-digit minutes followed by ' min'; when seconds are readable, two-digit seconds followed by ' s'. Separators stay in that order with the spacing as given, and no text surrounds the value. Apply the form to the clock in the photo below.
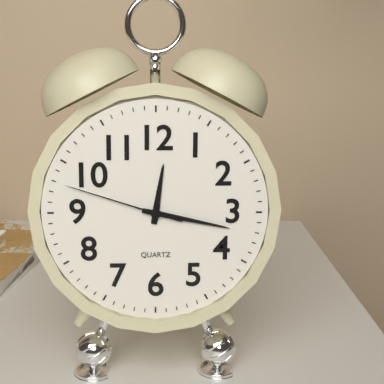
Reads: 12 h 17 min 48 s
